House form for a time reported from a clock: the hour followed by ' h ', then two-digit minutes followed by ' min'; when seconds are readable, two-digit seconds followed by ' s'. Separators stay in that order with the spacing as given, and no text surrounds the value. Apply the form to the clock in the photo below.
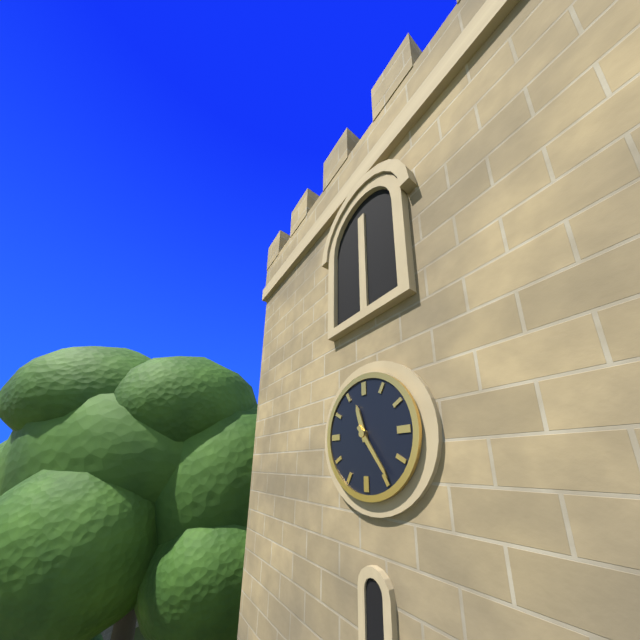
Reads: 11 h 24 min
